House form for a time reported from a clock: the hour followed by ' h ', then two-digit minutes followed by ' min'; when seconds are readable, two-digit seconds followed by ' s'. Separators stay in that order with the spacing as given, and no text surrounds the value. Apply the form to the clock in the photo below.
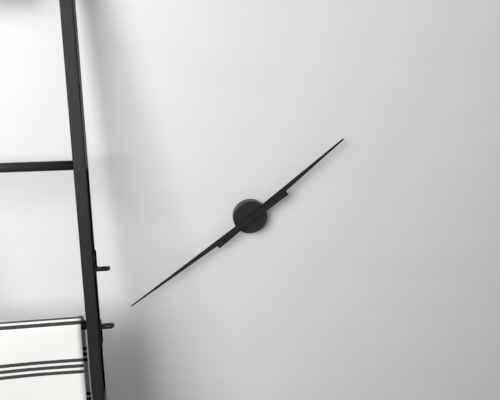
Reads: 1 h 39 min
